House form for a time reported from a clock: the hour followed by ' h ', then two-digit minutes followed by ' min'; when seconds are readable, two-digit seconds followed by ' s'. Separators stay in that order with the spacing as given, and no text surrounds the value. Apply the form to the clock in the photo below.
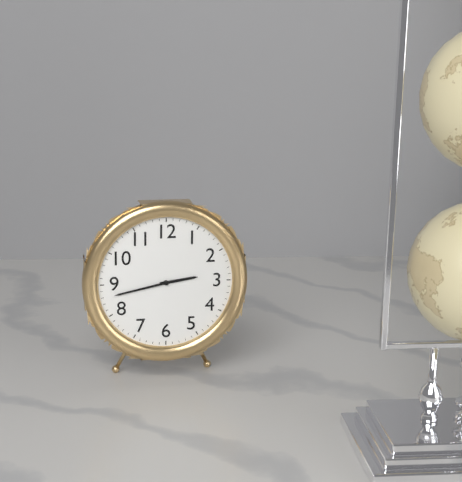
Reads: 2 h 43 min
